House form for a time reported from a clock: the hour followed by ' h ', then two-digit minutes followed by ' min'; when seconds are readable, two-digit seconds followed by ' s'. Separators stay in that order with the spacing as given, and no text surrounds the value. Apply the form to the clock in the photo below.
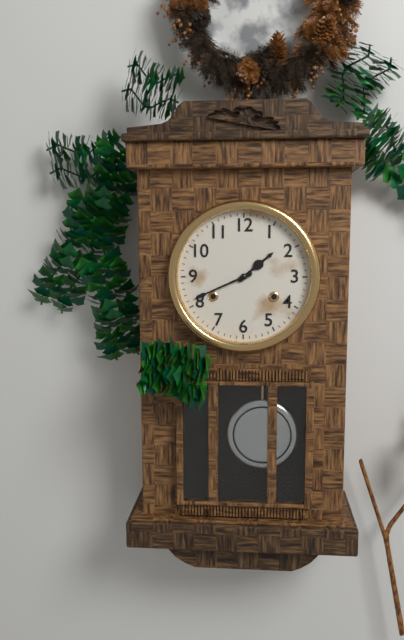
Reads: 1 h 41 min
